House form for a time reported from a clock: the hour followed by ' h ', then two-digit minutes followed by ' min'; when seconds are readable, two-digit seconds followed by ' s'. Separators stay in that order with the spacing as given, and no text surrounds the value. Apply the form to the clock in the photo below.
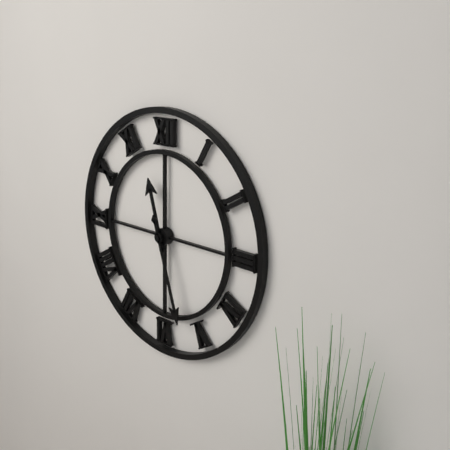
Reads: 11 h 27 min
